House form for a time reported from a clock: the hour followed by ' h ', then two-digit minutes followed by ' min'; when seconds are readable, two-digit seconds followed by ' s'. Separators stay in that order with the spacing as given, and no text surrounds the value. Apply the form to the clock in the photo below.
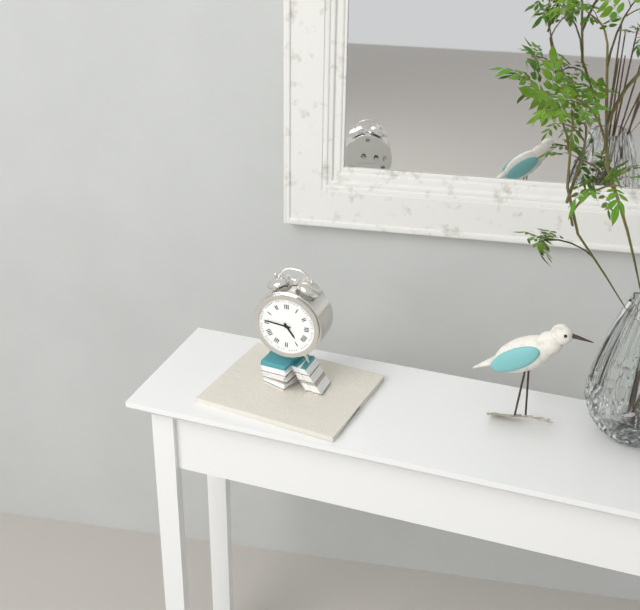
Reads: 4 h 46 min
